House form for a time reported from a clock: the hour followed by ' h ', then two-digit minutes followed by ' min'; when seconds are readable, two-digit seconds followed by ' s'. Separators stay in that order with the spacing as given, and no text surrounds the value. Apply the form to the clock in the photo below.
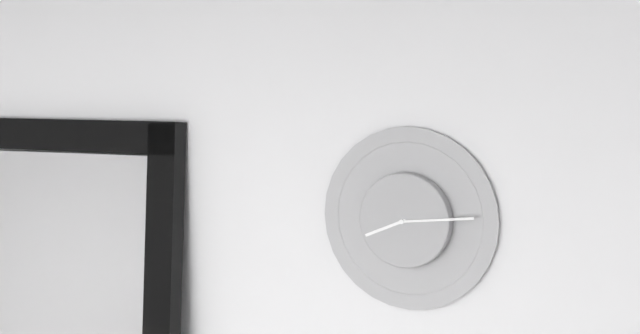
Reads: 8 h 14 min
